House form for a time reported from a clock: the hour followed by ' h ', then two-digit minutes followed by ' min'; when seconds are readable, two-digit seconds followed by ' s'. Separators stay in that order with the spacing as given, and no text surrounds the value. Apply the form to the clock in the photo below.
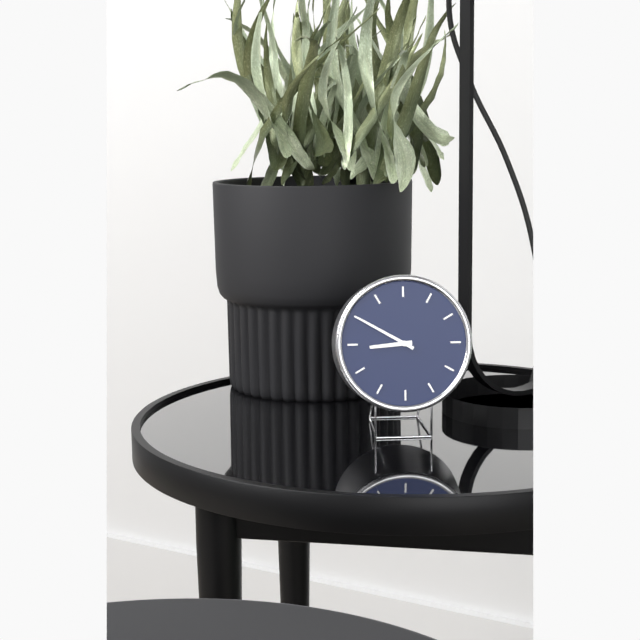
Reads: 8 h 50 min
